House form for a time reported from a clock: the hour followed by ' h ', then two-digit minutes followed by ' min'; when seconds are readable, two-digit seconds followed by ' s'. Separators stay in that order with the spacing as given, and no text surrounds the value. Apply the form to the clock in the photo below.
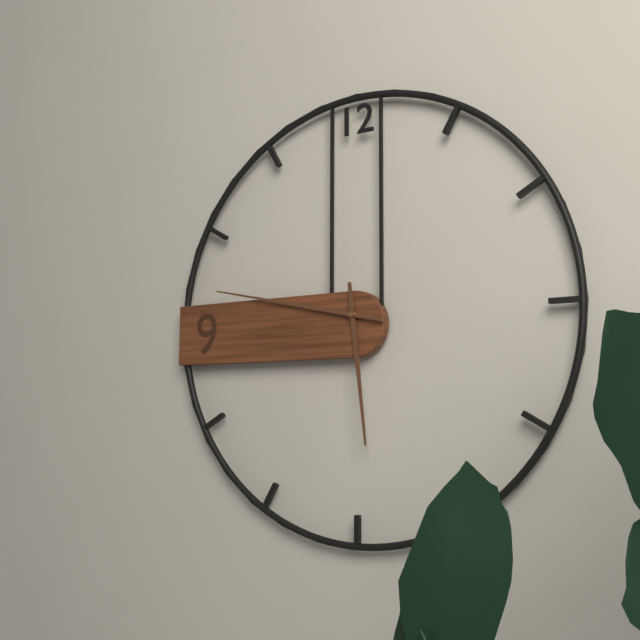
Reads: 5 h 47 min
